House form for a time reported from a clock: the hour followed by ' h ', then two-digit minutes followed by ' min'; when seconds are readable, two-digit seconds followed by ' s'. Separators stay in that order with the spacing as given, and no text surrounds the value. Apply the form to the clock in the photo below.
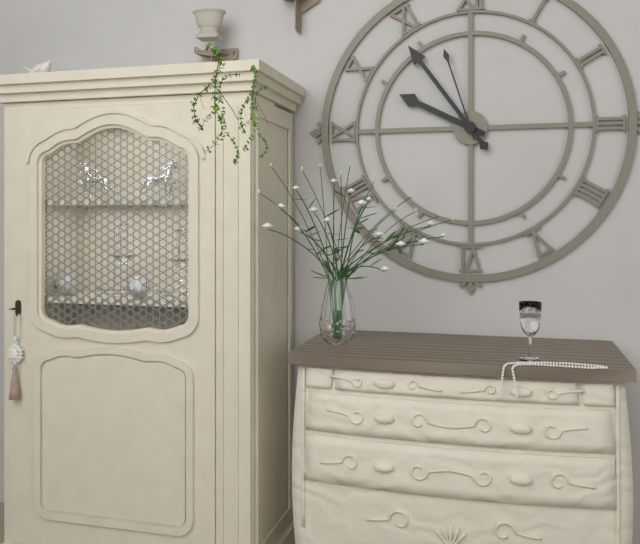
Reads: 9 h 54 min 57 s
